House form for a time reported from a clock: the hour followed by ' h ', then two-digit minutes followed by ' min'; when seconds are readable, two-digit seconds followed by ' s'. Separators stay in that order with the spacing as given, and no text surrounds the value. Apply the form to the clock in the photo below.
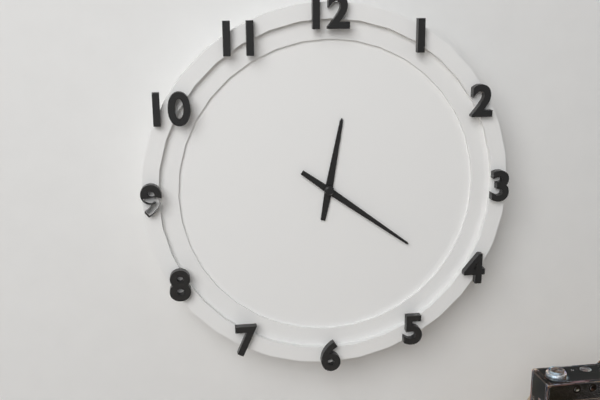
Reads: 12 h 21 min
